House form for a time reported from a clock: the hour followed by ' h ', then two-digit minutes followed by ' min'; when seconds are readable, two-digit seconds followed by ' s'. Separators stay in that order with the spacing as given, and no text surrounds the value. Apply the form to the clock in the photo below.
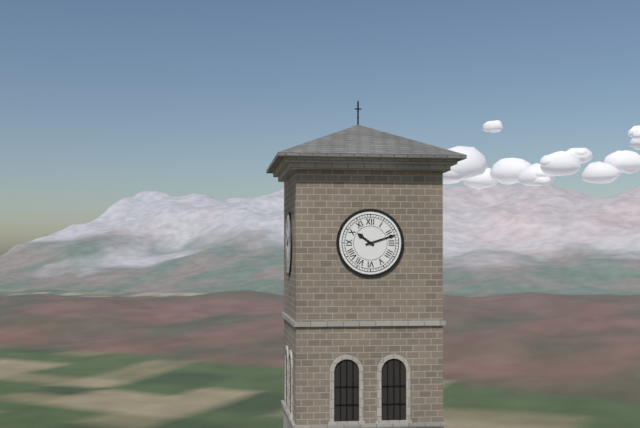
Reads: 10 h 12 min
